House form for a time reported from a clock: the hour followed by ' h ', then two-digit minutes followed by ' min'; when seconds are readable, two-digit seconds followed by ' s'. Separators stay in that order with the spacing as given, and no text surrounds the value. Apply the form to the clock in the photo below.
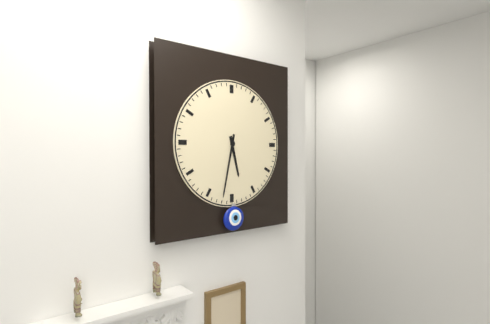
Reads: 5 h 32 min
